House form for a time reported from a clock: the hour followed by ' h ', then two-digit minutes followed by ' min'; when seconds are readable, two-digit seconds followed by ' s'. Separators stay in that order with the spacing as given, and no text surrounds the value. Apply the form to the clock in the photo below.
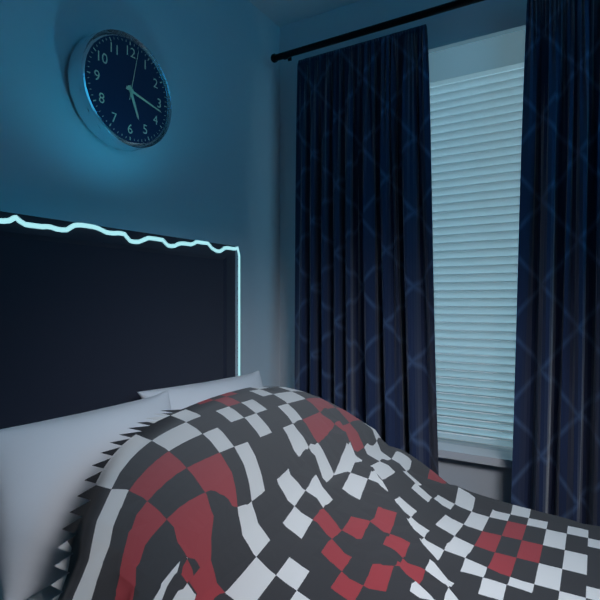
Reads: 5 h 17 min 02 s
